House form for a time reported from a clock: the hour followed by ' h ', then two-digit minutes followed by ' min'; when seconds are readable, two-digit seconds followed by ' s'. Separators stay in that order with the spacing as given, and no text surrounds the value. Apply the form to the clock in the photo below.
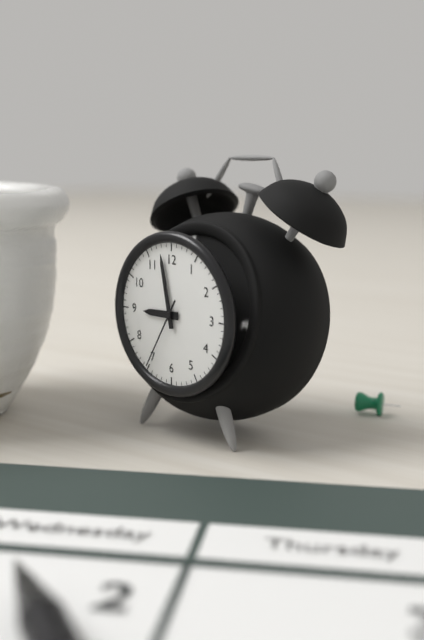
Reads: 8 h 58 min 35 s
